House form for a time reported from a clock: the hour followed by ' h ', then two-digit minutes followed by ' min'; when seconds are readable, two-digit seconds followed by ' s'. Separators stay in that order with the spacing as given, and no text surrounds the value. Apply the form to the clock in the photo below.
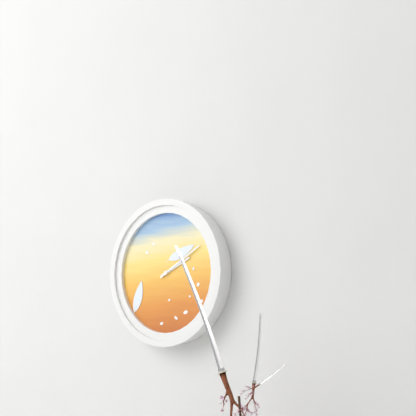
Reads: 2 h 10 min
